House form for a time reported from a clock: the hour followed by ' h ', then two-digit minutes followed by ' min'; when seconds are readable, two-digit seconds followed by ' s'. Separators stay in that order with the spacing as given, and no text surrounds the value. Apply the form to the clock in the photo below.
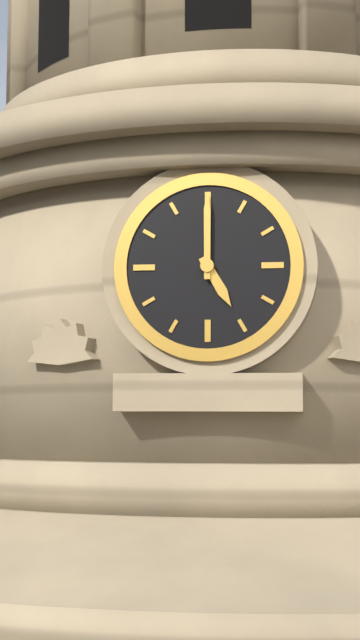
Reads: 5 h 00 min
